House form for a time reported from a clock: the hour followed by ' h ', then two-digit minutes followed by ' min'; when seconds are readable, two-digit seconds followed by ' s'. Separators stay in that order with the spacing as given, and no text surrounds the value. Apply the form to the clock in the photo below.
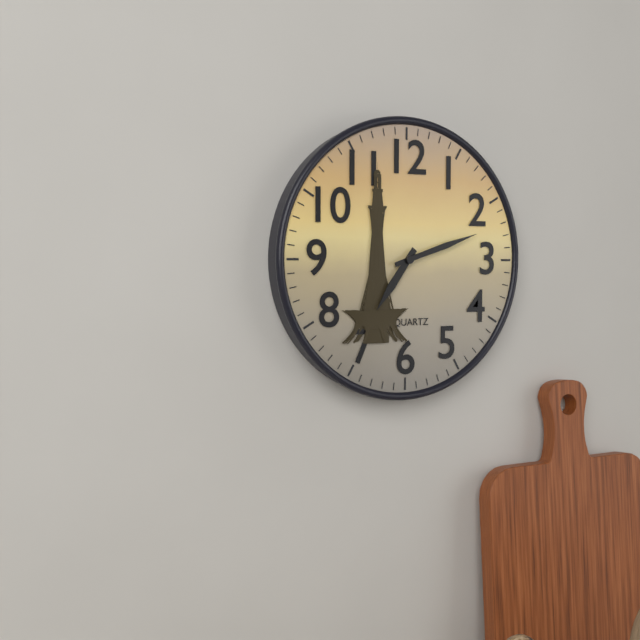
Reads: 7 h 12 min
